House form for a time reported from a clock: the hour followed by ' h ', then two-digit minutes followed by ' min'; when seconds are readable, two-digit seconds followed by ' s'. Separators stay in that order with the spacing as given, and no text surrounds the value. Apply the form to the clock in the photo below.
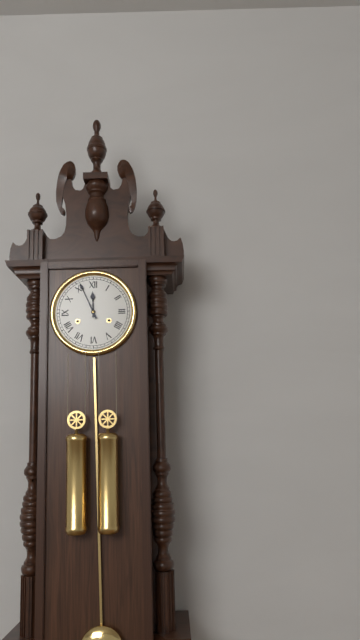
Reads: 11 h 56 min
